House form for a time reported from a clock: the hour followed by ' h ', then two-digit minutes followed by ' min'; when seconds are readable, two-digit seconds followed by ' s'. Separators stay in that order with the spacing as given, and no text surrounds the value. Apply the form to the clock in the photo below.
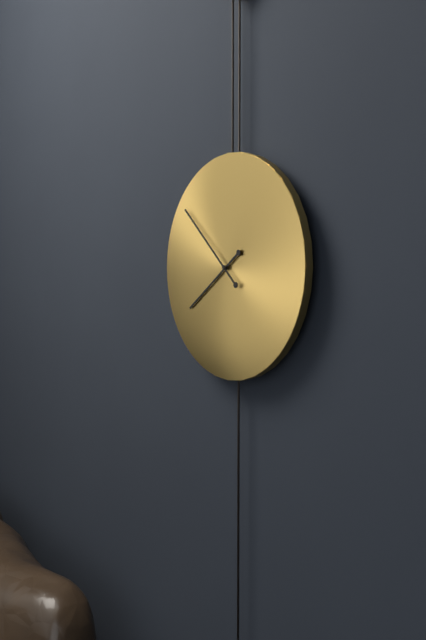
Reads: 7 h 52 min
